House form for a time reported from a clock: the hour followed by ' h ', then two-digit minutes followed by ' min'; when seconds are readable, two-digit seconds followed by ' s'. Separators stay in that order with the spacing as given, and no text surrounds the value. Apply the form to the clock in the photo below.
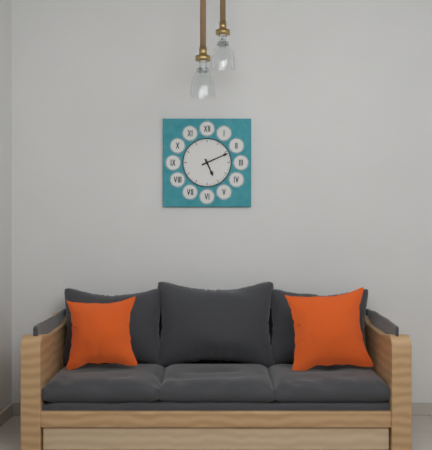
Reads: 5 h 11 min
